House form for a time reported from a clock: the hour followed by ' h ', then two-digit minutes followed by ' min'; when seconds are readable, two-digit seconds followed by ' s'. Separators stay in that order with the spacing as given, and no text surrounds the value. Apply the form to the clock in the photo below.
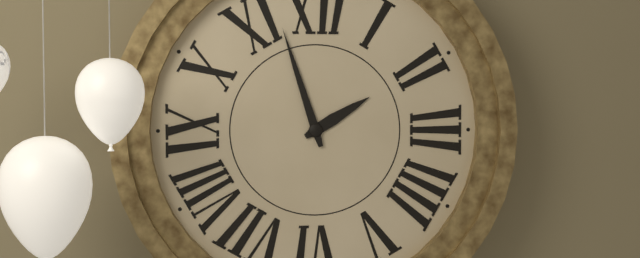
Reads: 1 h 57 min
